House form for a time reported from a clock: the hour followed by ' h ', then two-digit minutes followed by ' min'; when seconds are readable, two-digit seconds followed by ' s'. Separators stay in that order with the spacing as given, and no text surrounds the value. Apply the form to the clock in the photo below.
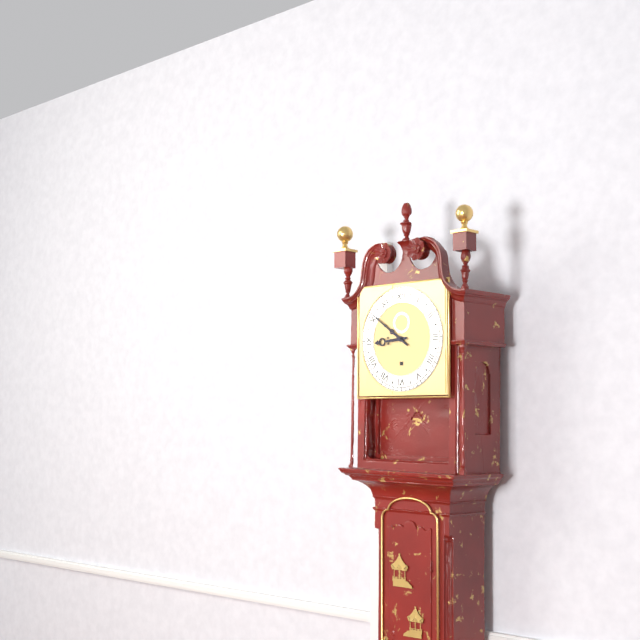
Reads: 8 h 51 min
